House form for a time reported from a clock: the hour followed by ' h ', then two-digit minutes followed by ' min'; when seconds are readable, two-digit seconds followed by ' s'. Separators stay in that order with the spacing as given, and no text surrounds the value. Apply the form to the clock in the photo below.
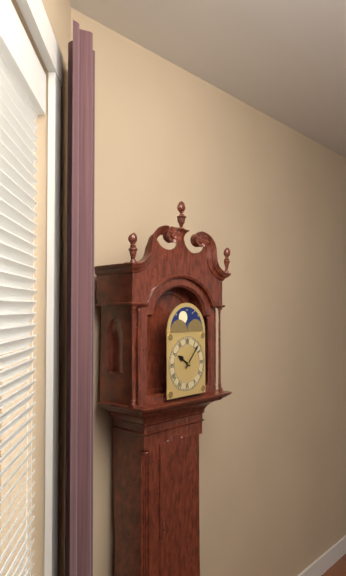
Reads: 10 h 07 min
